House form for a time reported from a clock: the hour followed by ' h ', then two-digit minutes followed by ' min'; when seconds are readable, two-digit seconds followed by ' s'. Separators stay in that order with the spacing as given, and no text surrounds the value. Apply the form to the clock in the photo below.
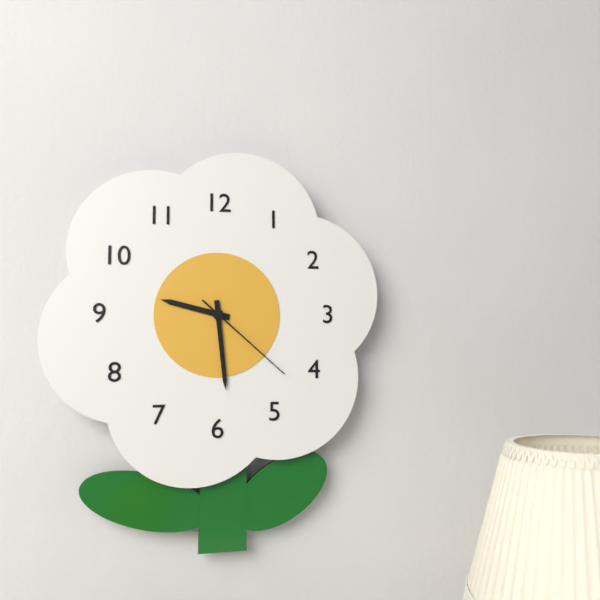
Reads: 9 h 29 min 22 s
